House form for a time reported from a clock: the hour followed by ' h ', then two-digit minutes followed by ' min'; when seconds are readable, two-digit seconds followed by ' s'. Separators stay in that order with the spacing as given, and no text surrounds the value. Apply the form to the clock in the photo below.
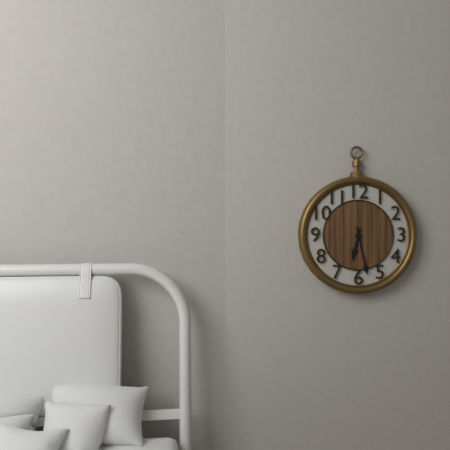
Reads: 6 h 28 min
